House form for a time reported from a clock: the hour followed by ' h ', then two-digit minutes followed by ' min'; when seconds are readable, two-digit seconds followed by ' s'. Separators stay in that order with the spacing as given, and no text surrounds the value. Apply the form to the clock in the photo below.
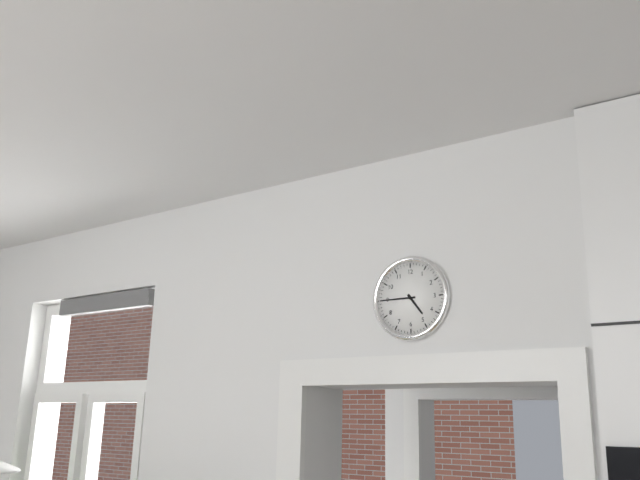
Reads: 4 h 45 min
